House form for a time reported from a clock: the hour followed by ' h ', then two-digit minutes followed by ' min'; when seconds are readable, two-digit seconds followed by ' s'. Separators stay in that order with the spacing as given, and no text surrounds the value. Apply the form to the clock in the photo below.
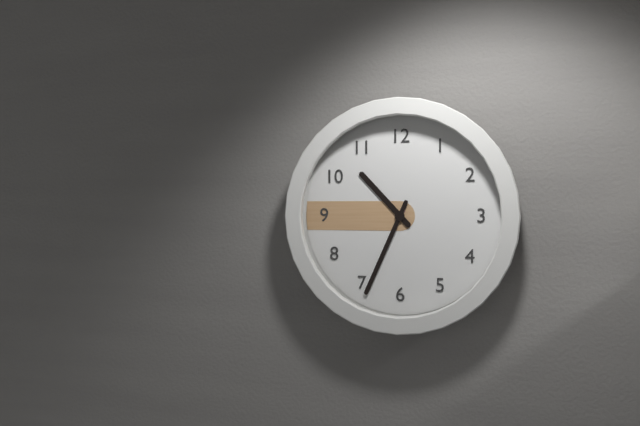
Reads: 10 h 34 min
